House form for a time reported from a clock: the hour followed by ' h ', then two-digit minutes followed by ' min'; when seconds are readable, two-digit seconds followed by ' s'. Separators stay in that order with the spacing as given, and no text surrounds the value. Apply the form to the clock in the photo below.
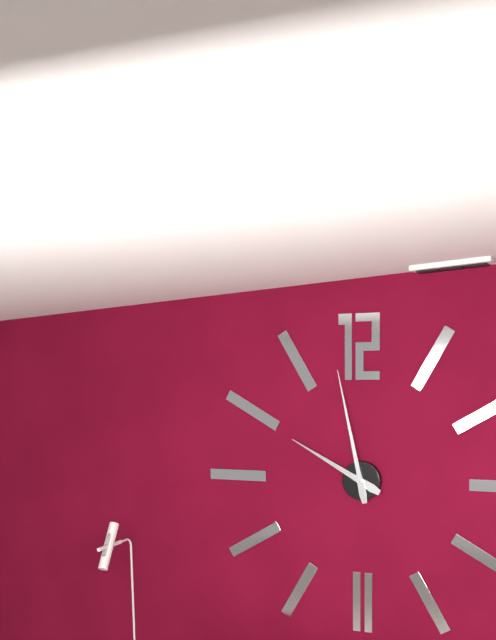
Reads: 9 h 58 min
